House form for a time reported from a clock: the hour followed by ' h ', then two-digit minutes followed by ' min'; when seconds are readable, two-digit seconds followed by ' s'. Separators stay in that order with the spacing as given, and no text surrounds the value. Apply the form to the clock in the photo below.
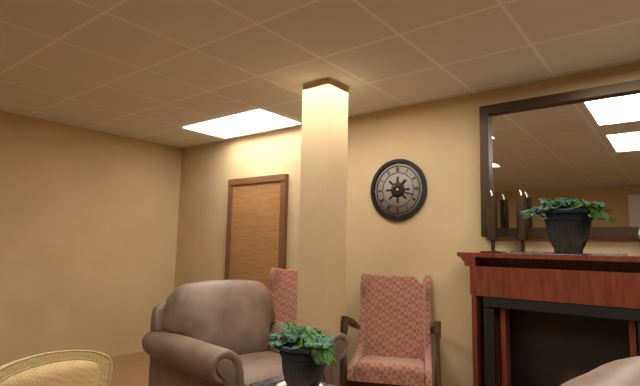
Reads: 1 h 18 min
